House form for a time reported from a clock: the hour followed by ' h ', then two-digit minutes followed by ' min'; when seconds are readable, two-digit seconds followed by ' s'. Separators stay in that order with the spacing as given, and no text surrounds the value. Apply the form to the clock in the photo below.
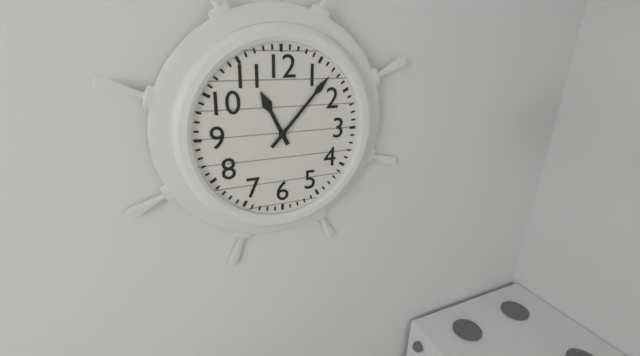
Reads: 11 h 07 min
